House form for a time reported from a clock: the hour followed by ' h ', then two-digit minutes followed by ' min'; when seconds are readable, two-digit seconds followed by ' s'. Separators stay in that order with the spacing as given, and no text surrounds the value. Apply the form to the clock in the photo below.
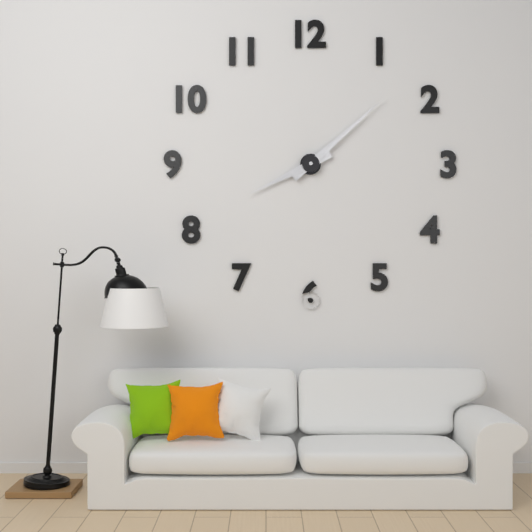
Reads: 8 h 08 min
